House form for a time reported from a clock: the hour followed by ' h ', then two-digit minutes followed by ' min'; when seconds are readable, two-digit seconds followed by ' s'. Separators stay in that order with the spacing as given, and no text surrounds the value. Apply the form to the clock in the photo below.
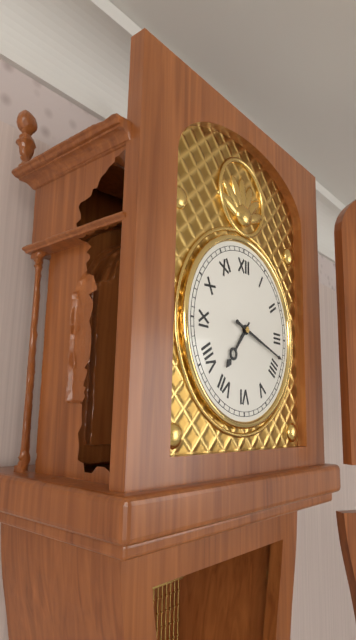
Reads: 7 h 18 min
